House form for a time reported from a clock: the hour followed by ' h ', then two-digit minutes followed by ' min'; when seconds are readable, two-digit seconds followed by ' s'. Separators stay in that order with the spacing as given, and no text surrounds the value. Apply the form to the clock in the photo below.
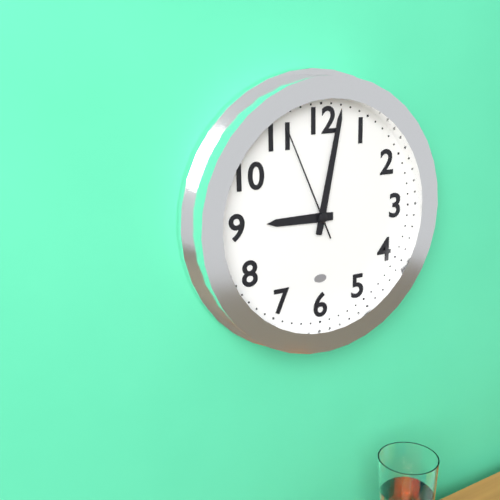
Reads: 9 h 02 min 56 s
